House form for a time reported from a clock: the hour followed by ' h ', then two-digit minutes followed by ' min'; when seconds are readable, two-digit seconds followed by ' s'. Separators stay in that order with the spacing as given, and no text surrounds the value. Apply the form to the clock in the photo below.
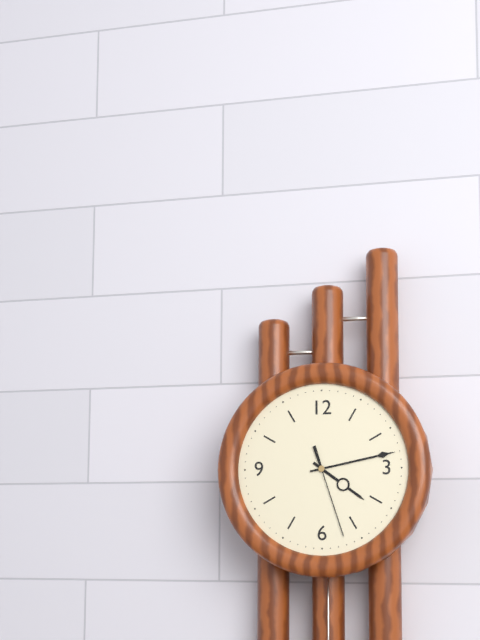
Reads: 4 h 13 min 27 s
